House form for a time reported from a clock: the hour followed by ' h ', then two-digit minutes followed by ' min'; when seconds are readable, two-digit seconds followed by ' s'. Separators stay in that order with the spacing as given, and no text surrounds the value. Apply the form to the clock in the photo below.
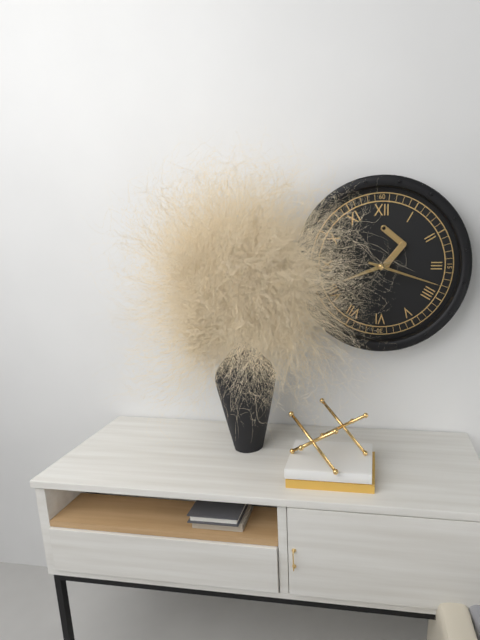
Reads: 8 h 18 min
